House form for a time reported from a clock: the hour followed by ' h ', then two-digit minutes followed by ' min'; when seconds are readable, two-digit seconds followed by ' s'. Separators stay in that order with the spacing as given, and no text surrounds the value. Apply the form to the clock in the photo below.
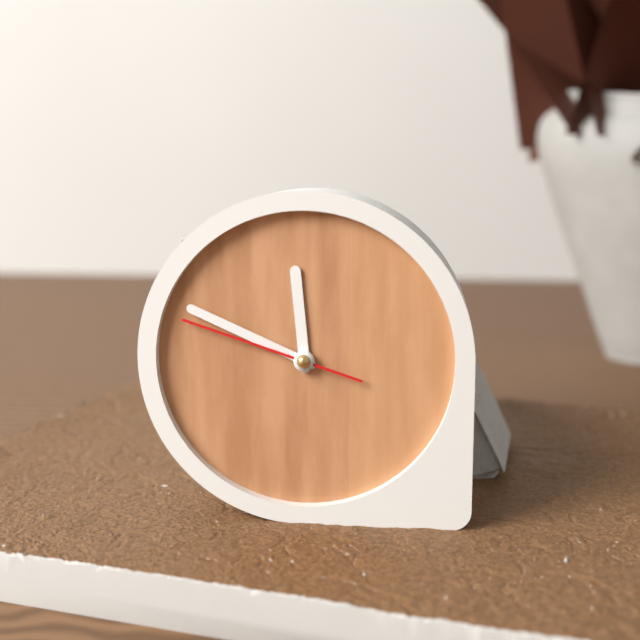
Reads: 11 h 49 min 48 s
